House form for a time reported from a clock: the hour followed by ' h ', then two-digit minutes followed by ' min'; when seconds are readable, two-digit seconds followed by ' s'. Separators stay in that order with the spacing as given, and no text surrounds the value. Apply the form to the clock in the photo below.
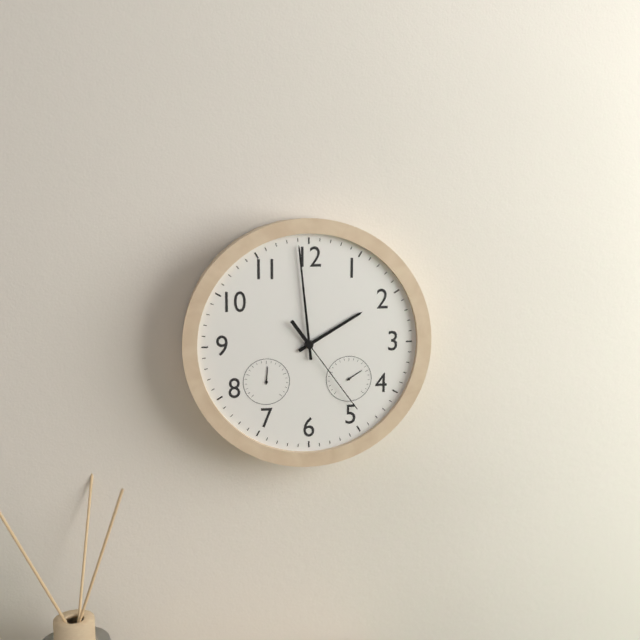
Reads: 1 h 59 min 24 s
